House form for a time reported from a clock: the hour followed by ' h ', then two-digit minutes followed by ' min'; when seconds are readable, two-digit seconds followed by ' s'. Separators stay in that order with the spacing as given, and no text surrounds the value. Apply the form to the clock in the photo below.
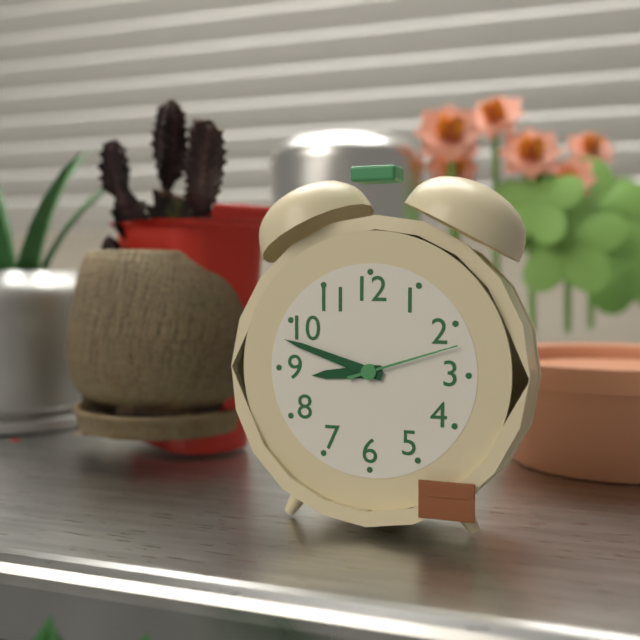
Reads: 8 h 48 min 12 s
